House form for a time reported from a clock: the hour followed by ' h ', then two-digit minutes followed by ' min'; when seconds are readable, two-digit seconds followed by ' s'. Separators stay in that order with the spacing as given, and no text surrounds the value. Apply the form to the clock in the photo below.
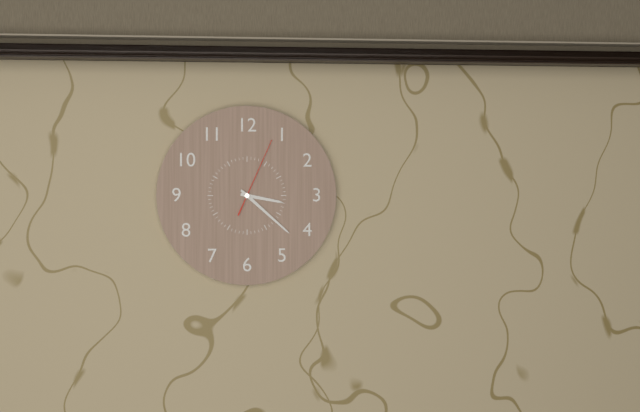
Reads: 3 h 22 min 04 s
